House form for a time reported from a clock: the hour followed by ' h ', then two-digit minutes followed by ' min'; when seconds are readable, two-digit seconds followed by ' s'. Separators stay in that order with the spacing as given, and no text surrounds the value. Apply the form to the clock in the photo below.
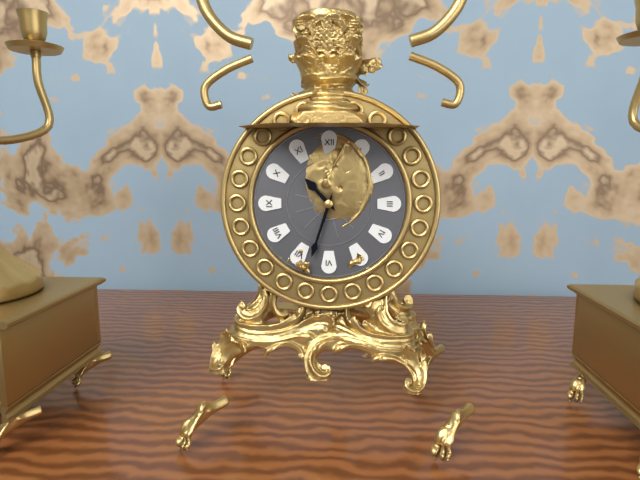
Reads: 10 h 33 min
